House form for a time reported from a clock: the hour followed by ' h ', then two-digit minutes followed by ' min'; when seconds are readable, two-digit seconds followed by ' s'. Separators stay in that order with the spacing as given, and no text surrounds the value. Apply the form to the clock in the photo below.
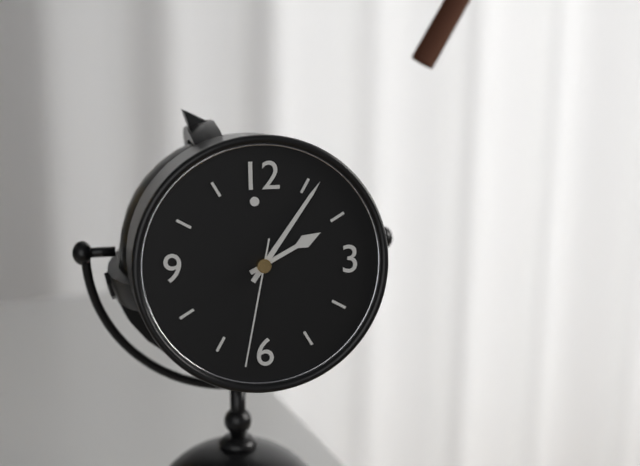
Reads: 2 h 06 min 32 s
